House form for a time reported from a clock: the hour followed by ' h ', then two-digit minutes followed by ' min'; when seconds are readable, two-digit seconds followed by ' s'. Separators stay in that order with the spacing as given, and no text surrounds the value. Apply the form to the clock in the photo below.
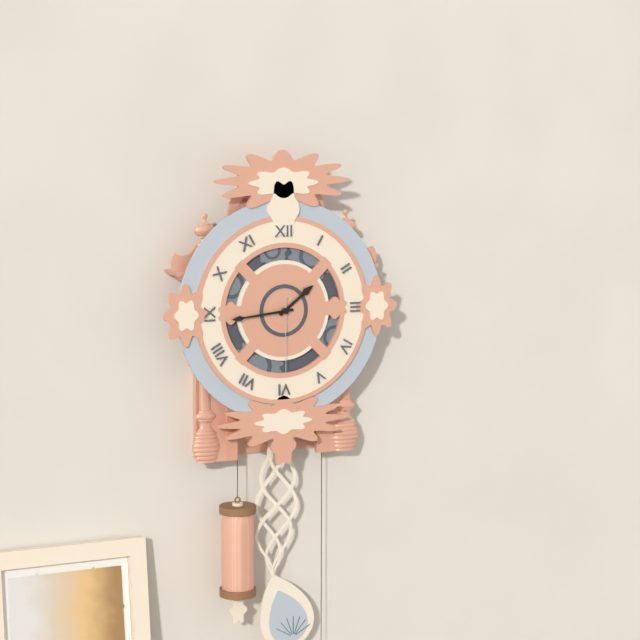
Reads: 1 h 44 min 30 s
